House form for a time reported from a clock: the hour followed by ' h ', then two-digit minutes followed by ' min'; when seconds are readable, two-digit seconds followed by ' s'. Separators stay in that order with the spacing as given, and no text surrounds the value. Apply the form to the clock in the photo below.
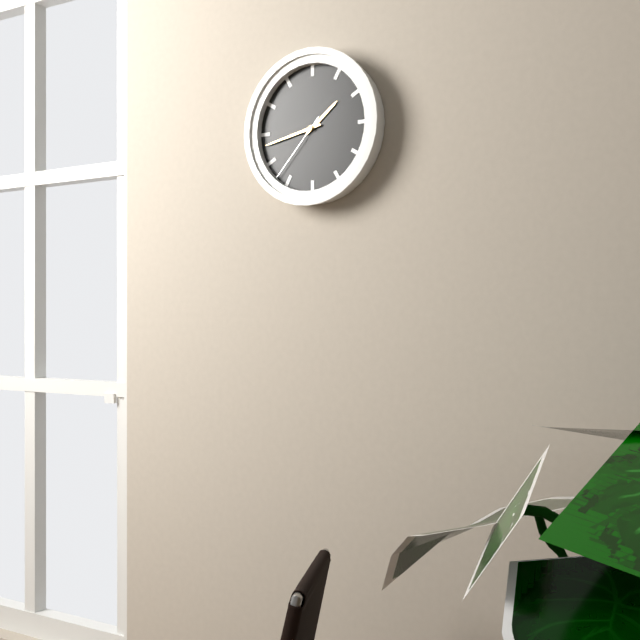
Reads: 1 h 43 min 37 s
